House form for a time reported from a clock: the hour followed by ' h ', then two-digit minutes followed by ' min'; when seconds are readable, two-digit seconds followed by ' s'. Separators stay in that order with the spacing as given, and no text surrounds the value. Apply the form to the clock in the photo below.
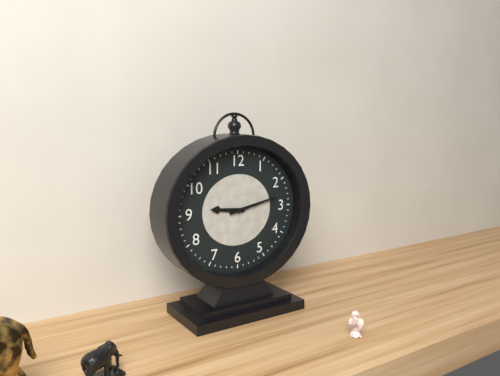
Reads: 9 h 13 min
